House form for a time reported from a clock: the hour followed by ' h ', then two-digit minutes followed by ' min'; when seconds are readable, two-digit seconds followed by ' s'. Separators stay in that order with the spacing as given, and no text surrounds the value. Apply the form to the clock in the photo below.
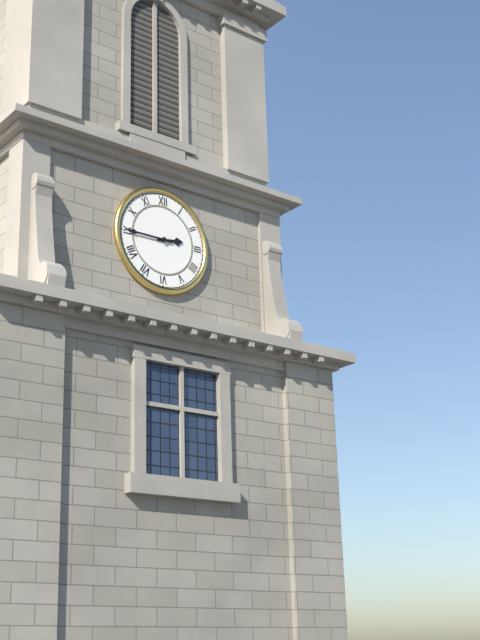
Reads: 2 h 45 min
